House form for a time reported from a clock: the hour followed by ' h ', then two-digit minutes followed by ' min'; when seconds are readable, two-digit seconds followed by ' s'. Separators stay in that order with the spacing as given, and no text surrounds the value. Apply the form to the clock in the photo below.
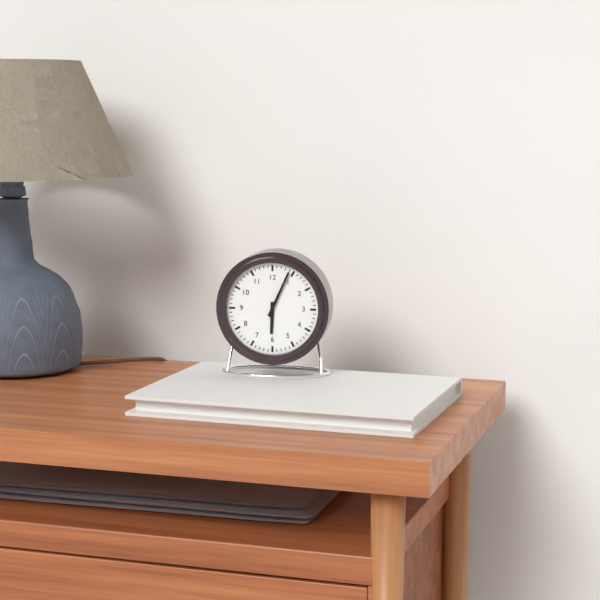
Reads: 6 h 04 min
